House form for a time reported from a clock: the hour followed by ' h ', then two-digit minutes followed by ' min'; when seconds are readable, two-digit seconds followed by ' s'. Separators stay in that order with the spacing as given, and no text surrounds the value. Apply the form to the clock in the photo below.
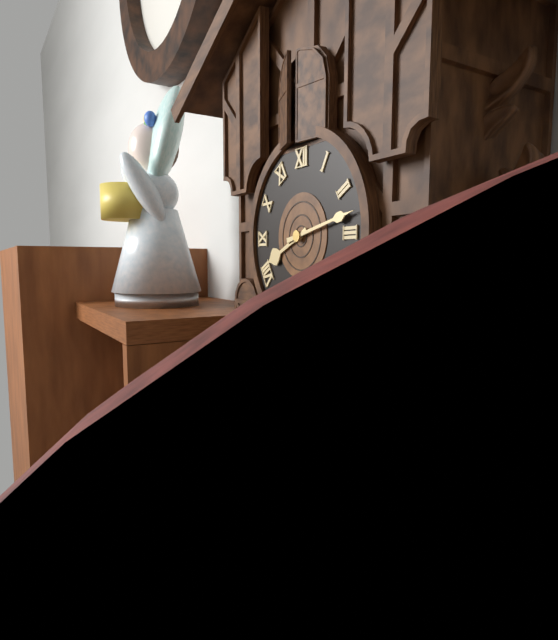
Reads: 8 h 13 min
